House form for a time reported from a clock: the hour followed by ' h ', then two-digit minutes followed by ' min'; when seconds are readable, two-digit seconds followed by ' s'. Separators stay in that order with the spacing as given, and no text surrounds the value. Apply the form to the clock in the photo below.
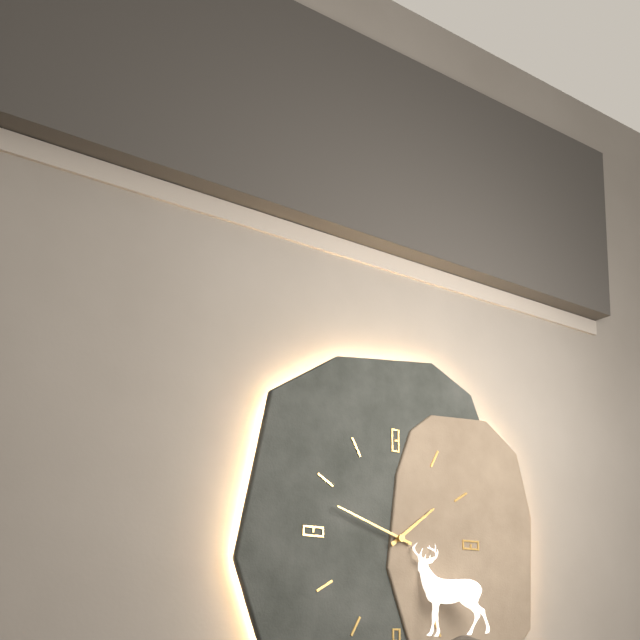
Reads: 1 h 48 min
